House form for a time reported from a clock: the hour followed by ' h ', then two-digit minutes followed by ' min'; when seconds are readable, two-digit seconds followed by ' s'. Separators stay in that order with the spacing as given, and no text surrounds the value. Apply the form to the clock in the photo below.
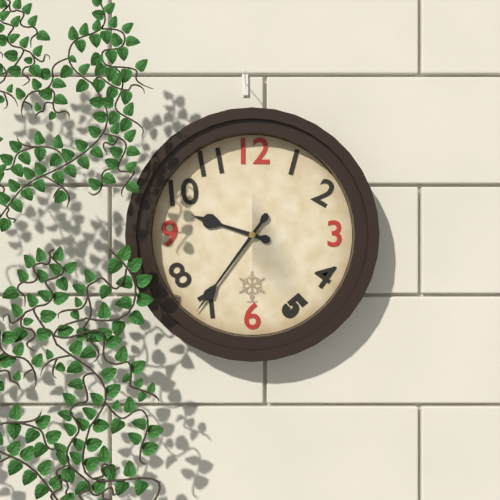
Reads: 9 h 36 min
